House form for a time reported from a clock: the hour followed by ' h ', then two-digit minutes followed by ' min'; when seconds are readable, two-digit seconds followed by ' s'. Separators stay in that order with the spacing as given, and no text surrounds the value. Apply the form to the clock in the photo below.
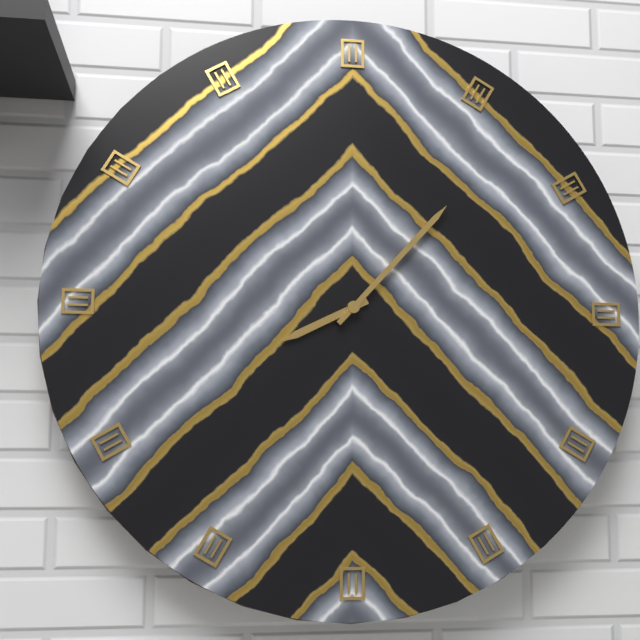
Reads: 8 h 07 min
